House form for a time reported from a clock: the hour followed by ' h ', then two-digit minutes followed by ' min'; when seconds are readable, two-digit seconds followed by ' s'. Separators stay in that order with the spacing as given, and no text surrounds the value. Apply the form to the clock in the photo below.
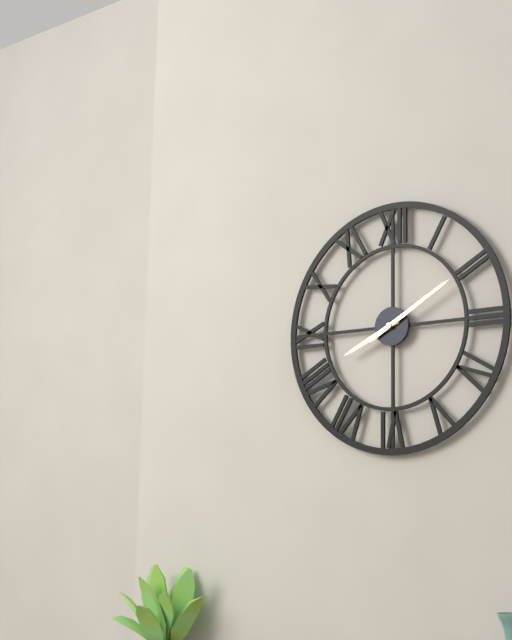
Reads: 8 h 10 min
